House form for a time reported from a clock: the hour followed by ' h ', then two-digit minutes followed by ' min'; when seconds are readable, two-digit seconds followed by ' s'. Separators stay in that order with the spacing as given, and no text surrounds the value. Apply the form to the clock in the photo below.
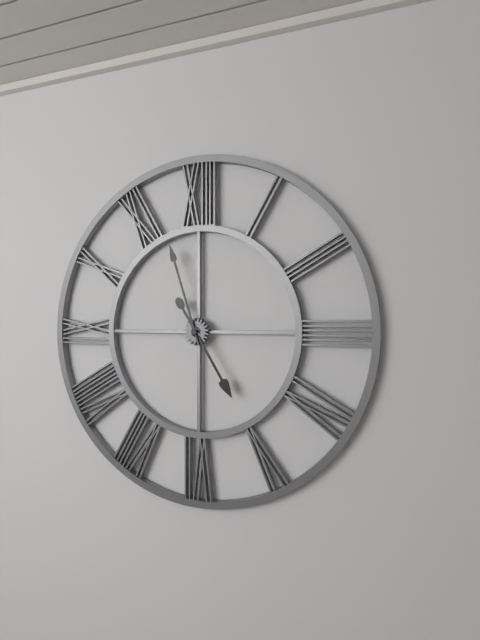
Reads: 4 h 57 min
